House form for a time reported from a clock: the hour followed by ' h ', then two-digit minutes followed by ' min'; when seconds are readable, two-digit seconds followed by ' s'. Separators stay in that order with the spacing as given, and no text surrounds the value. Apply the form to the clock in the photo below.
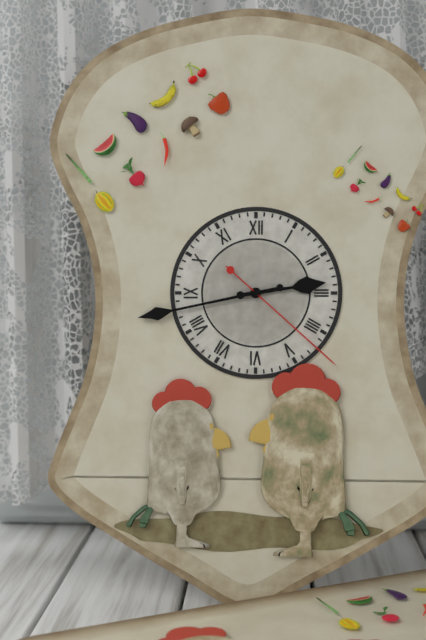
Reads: 2 h 43 min 22 s
